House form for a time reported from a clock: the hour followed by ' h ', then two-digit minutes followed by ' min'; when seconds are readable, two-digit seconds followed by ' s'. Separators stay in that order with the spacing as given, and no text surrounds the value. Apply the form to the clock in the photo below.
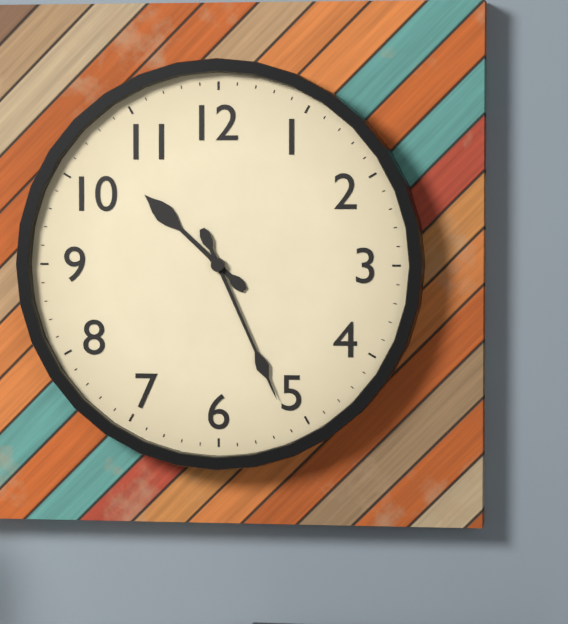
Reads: 10 h 26 min
